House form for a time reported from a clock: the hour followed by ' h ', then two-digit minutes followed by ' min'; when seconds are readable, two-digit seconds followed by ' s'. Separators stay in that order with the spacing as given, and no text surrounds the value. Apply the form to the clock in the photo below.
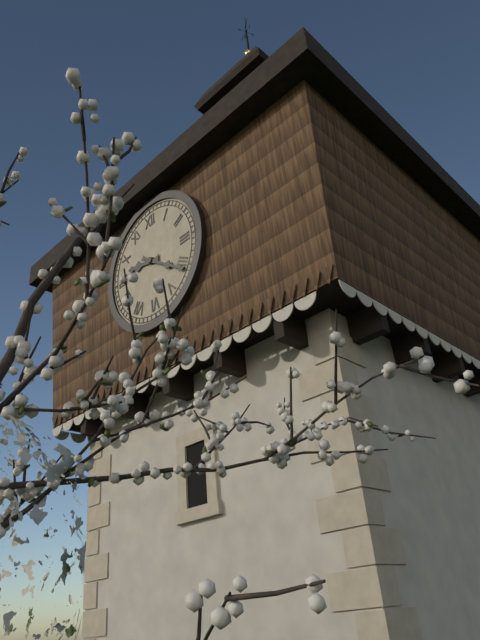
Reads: 9 h 21 min
